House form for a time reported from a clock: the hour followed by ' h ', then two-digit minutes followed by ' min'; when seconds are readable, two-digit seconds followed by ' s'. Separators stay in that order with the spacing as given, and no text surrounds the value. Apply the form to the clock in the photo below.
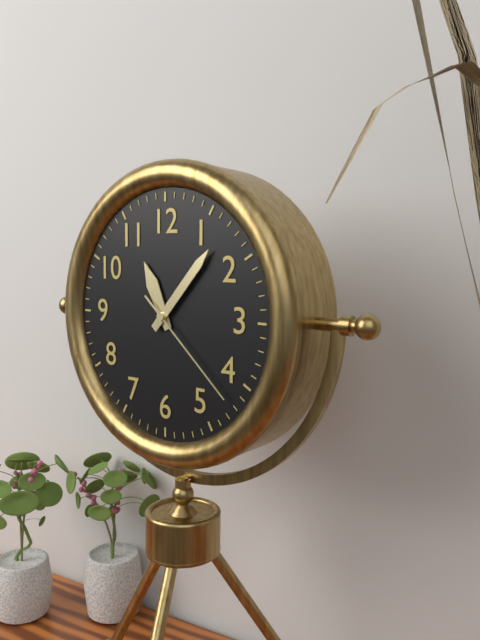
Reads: 11 h 07 min 22 s
